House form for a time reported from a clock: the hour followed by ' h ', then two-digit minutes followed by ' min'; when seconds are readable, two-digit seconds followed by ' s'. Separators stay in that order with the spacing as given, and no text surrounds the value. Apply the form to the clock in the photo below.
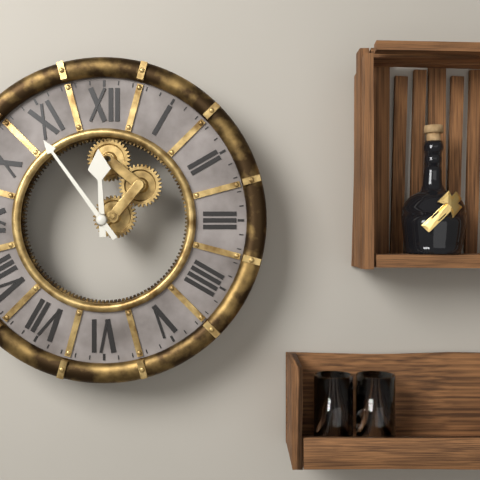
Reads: 11 h 54 min
